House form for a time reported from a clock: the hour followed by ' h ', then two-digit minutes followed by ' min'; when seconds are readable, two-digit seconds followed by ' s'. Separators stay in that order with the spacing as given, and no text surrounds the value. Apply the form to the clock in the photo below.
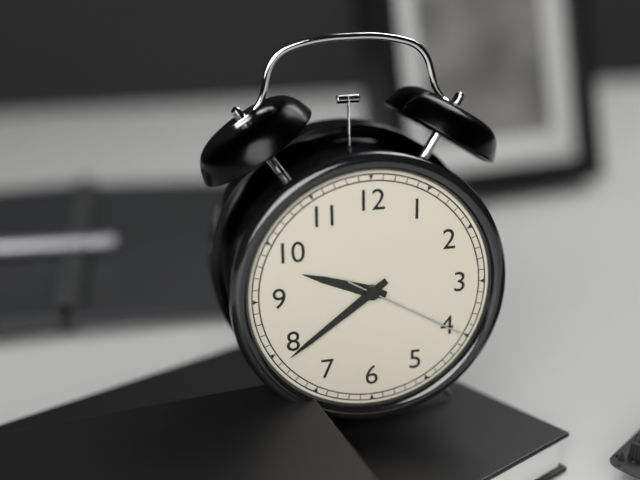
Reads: 9 h 39 min 20 s
